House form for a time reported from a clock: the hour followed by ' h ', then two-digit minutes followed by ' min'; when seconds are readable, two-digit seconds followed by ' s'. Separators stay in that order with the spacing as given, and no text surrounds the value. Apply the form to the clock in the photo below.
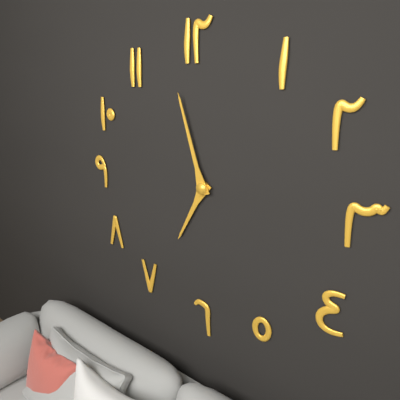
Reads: 6 h 57 min
